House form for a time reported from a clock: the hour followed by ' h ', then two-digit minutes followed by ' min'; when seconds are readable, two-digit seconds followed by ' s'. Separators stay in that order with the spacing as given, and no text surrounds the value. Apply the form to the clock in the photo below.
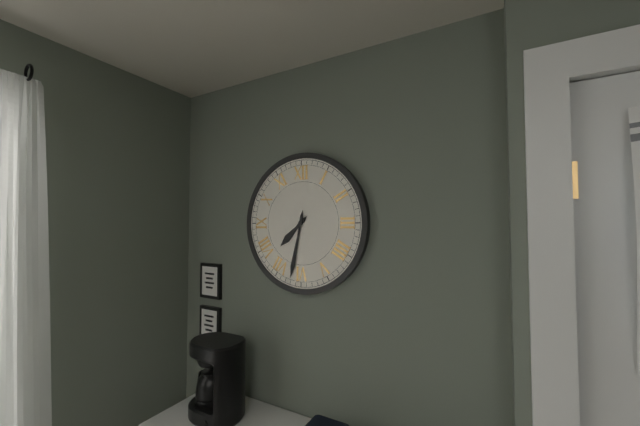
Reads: 7 h 32 min
